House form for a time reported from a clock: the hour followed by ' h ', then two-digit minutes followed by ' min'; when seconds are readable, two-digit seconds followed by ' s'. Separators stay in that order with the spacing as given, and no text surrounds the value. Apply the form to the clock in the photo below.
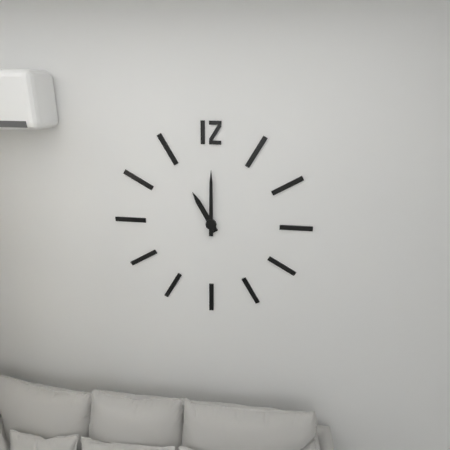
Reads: 11 h 00 min
